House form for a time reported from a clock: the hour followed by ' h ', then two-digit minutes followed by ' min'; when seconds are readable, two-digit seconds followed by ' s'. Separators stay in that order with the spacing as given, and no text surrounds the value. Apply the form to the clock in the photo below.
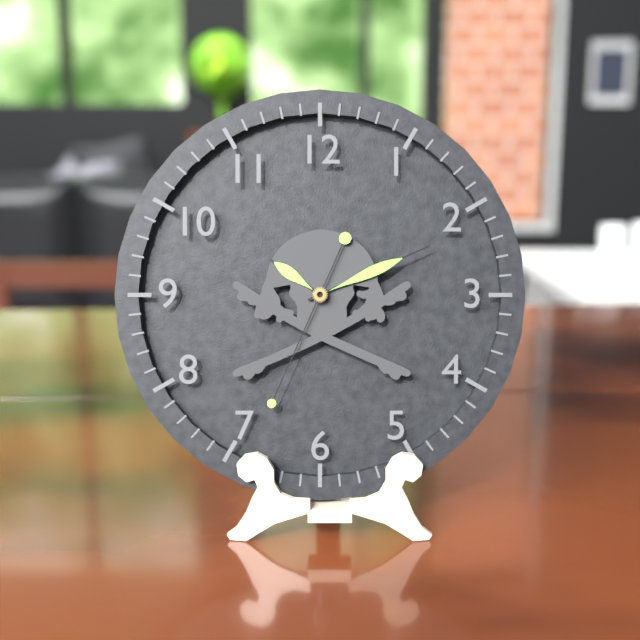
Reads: 10 h 11 min 34 s
